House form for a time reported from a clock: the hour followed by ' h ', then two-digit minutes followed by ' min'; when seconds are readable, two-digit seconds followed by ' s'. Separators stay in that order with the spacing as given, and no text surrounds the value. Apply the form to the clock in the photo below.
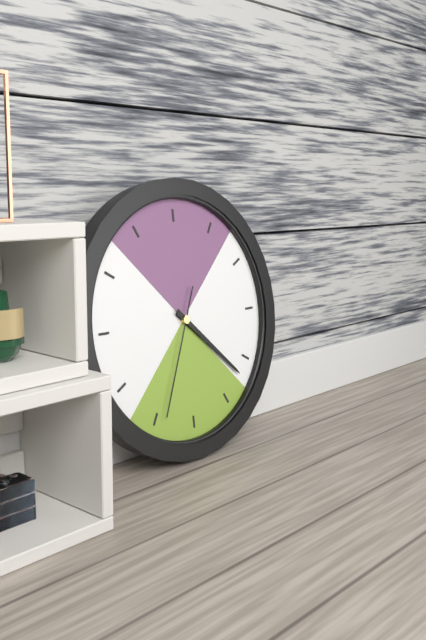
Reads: 4 h 22 min 34 s
